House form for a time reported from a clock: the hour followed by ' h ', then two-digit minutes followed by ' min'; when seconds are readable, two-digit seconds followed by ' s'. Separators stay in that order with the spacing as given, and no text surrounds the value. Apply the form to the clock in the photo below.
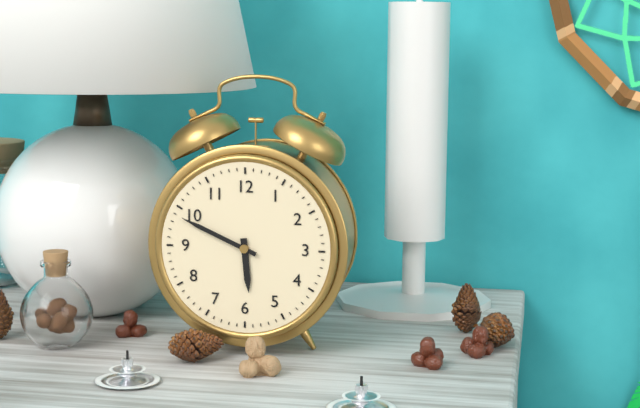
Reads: 5 h 49 min
